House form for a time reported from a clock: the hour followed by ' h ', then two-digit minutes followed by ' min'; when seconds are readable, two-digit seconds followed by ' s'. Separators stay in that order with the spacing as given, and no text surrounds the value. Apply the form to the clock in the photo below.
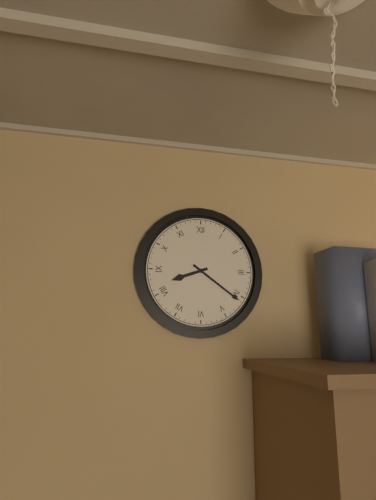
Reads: 8 h 21 min
